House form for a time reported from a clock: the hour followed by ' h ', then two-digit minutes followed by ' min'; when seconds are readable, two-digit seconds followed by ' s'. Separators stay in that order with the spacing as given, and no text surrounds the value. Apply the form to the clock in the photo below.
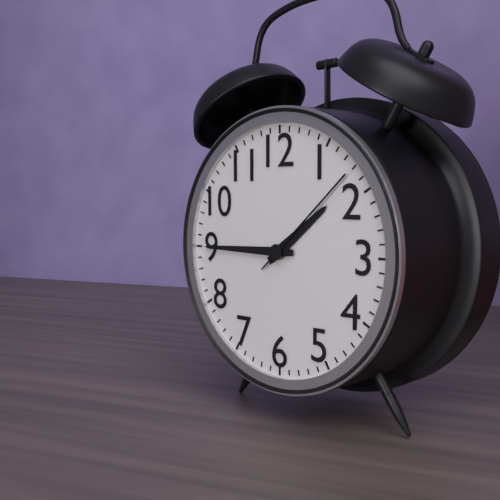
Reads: 1 h 45 min 08 s
